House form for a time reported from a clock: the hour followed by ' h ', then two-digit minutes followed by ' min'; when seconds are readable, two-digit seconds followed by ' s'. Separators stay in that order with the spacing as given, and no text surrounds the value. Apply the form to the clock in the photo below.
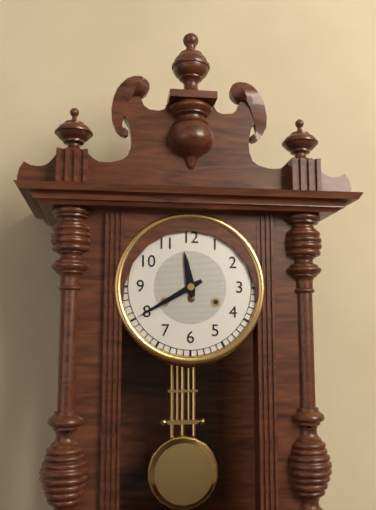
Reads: 11 h 40 min
